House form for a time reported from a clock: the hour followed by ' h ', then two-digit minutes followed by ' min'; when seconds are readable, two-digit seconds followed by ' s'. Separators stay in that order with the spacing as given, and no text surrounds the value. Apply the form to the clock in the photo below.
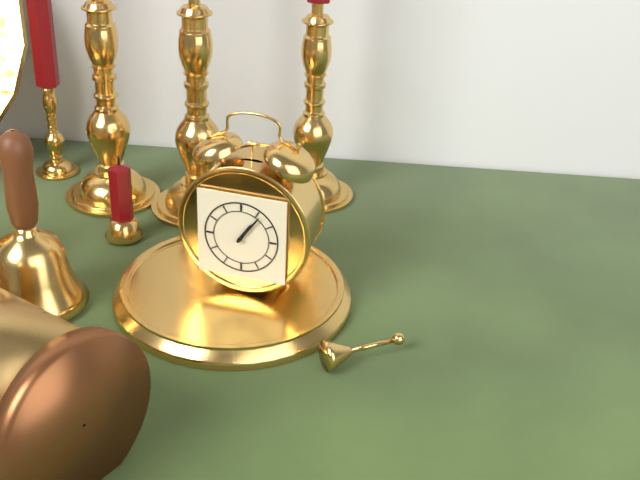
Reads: 1 h 06 min
